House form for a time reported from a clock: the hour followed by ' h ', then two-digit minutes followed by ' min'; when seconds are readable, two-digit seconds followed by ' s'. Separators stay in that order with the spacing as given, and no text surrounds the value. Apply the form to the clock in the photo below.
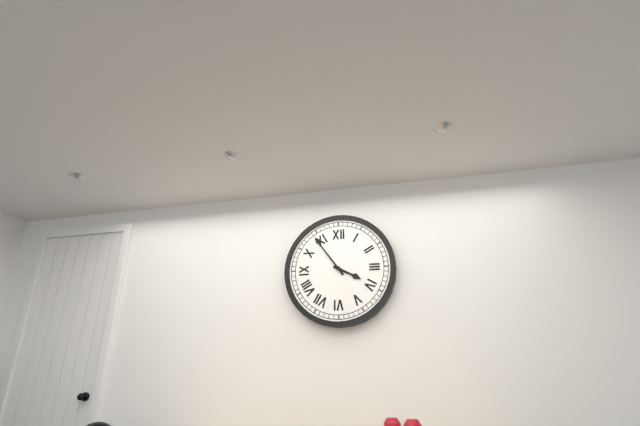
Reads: 3 h 54 min
